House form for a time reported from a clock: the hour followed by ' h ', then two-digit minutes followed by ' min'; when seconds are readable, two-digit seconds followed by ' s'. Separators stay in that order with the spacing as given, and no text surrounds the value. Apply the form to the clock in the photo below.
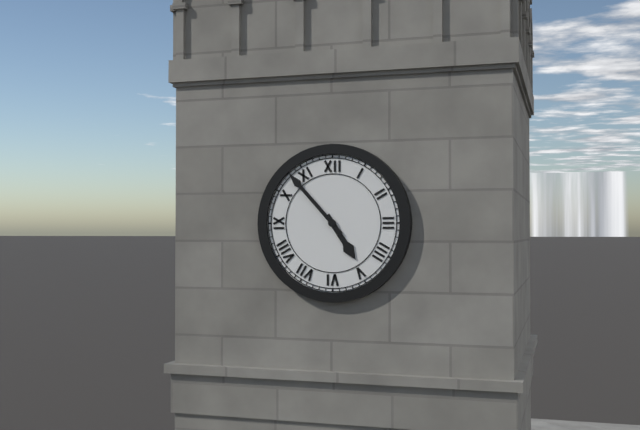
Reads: 4 h 53 min
